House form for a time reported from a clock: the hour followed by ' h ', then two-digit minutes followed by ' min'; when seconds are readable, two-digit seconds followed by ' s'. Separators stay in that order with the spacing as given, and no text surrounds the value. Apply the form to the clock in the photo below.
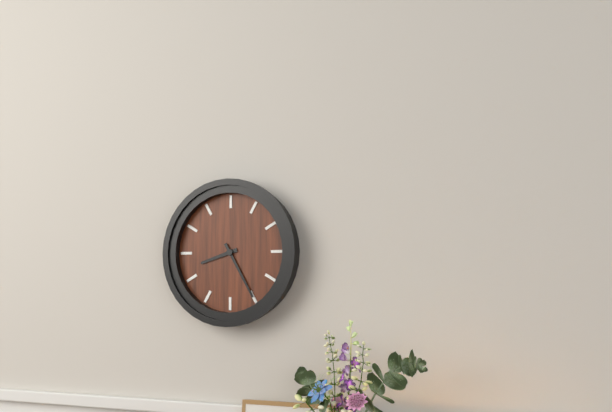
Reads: 8 h 25 min
